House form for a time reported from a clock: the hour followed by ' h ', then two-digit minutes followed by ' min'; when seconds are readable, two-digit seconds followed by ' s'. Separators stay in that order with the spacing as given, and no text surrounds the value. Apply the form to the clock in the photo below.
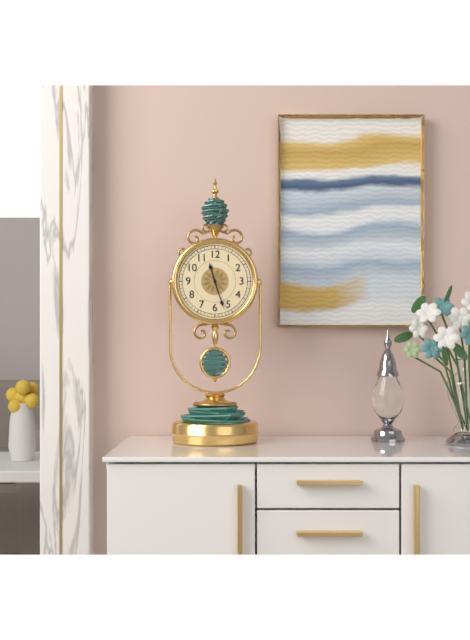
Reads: 11 h 27 min
